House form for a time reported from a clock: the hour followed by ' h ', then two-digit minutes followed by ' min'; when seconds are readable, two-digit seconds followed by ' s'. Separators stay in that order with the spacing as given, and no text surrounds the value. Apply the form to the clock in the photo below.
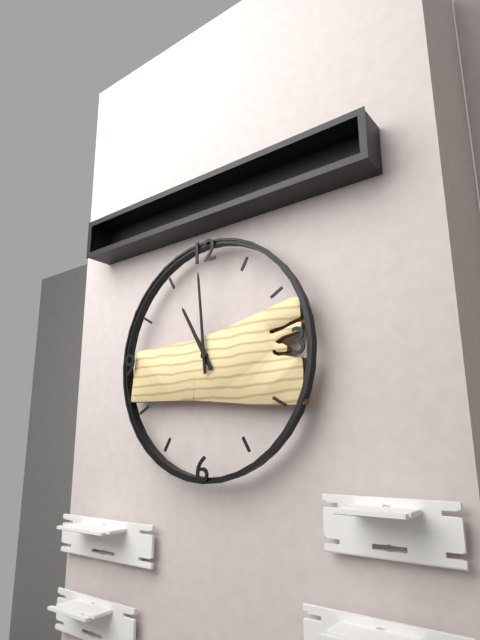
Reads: 10 h 59 min
